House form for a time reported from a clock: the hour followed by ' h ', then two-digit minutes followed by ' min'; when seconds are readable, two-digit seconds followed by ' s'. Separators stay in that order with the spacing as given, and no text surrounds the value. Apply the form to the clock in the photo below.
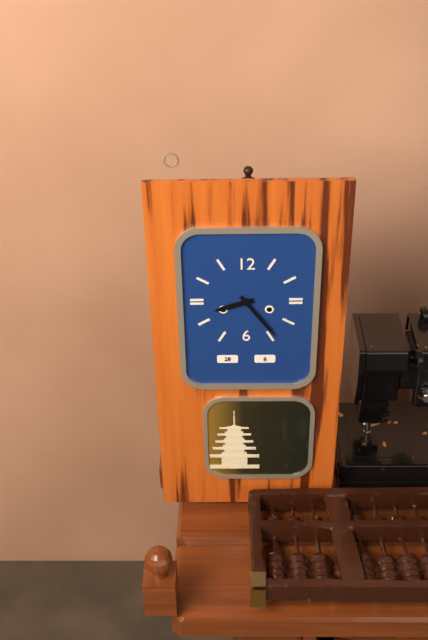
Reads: 8 h 24 min
